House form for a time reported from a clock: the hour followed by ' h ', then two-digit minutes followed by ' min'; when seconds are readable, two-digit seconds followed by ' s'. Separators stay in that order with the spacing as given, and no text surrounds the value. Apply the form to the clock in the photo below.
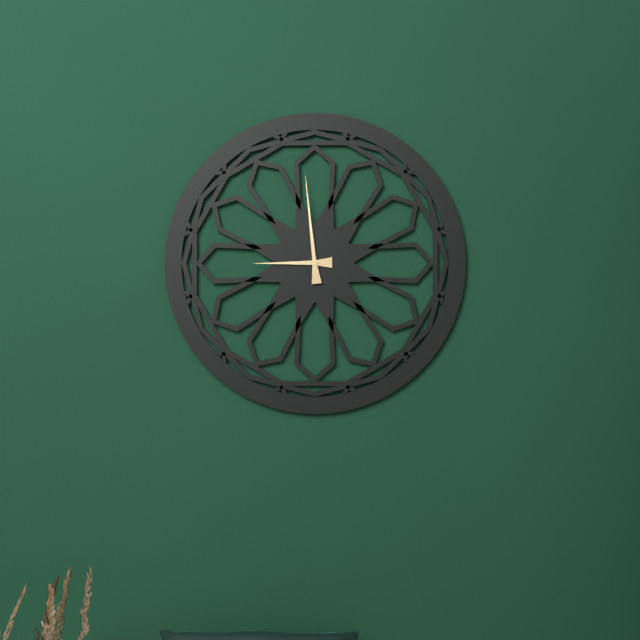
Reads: 8 h 59 min
